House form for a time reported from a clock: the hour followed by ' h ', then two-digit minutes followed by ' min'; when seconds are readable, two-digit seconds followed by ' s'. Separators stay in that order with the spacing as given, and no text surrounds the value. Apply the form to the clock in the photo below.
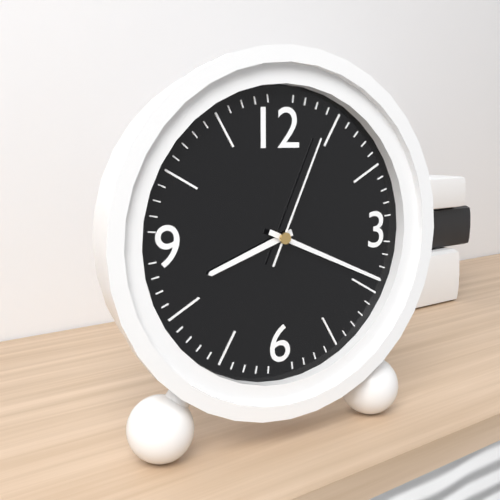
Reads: 8 h 19 min 04 s
